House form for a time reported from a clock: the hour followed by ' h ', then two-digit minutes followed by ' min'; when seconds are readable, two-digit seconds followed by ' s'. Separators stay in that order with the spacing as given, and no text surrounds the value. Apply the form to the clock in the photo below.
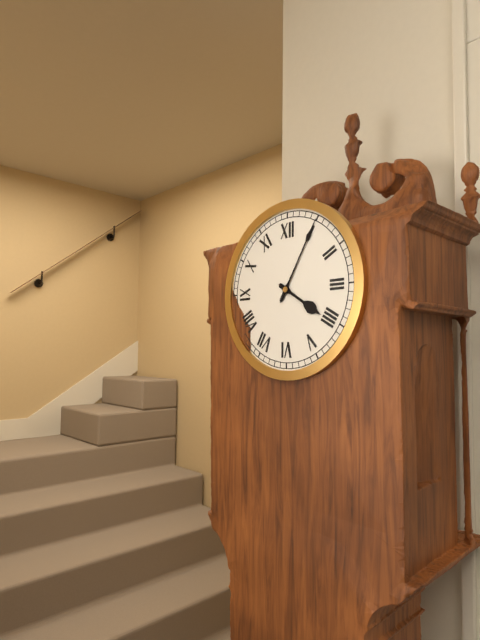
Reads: 4 h 05 min
